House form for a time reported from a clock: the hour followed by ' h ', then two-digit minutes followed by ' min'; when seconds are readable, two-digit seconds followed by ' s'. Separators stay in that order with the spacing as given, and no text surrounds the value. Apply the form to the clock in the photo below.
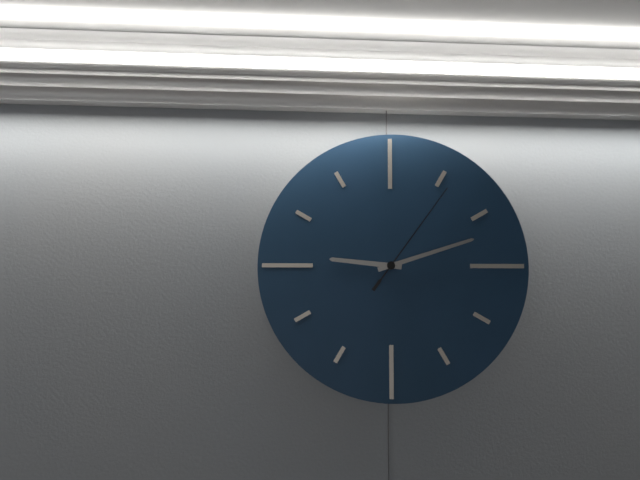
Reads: 9 h 12 min 06 s
